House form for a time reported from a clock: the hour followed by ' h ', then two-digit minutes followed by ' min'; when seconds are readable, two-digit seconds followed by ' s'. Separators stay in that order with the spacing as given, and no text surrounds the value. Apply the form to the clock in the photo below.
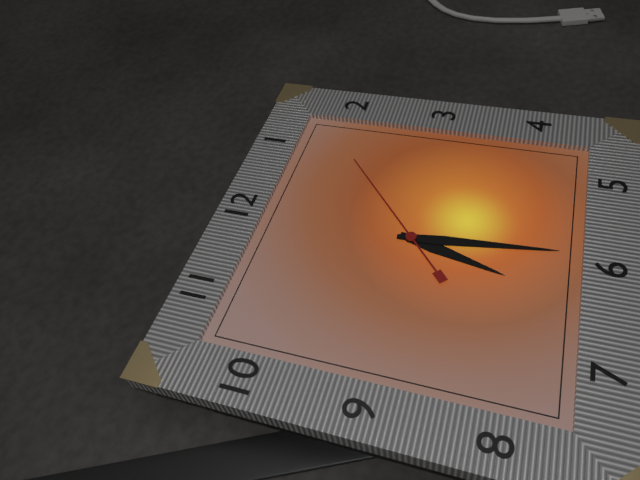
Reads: 6 h 29 min 08 s
